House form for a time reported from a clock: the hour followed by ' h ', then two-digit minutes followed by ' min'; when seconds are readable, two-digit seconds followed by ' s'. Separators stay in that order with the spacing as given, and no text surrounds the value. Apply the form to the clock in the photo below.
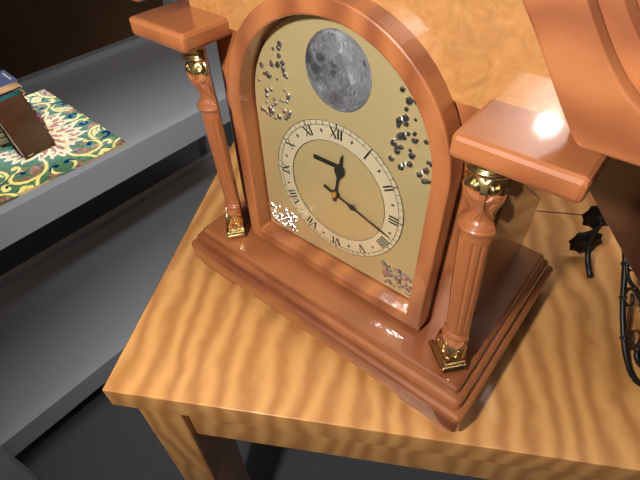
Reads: 12 h 18 min
